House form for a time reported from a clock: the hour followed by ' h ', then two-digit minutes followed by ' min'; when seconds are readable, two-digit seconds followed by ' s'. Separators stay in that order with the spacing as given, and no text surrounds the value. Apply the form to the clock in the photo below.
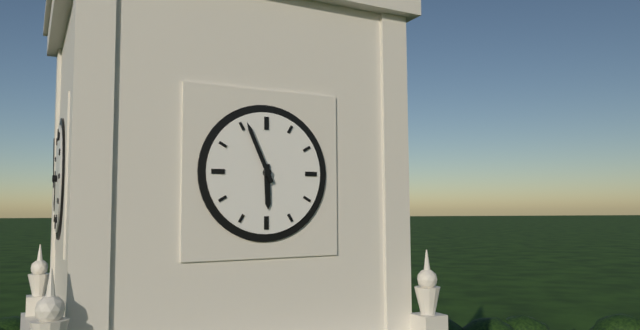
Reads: 5 h 56 min
